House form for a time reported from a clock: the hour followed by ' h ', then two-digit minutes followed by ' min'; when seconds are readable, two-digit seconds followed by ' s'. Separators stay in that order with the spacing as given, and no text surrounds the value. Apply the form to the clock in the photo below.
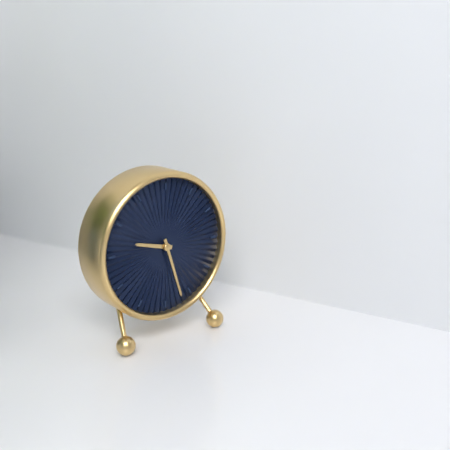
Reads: 9 h 27 min
